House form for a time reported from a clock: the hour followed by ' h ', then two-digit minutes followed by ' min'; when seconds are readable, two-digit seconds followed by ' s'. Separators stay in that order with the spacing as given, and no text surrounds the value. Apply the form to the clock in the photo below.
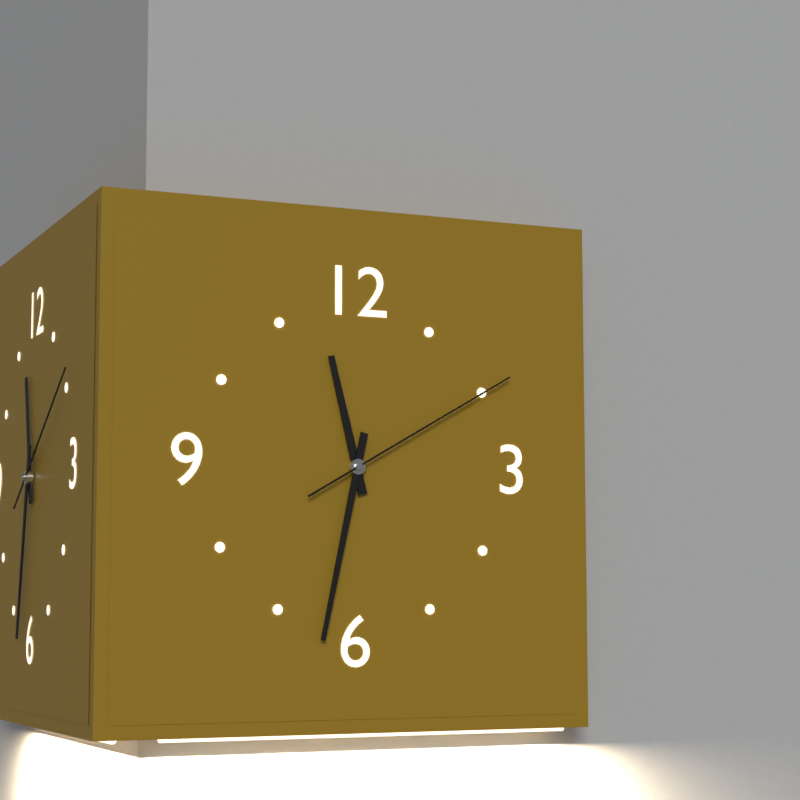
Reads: 11 h 32 min 10 s
